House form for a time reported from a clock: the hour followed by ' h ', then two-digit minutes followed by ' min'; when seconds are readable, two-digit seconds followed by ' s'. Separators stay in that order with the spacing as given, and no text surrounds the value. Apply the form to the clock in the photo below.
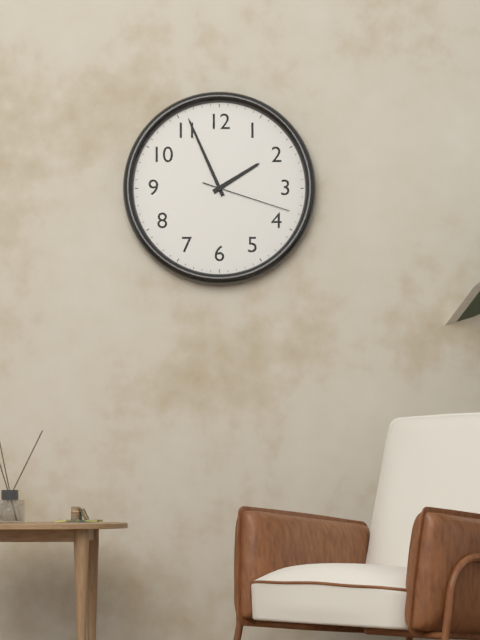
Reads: 1 h 56 min 18 s
